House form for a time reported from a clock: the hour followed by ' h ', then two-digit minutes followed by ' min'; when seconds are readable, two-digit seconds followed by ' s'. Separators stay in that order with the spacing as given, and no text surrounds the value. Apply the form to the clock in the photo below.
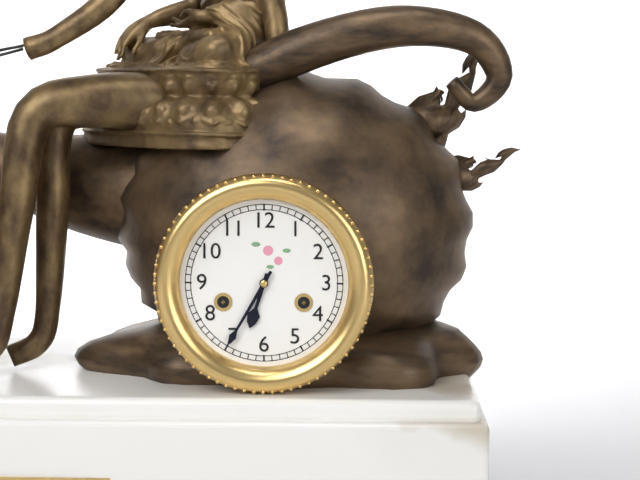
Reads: 6 h 35 min
